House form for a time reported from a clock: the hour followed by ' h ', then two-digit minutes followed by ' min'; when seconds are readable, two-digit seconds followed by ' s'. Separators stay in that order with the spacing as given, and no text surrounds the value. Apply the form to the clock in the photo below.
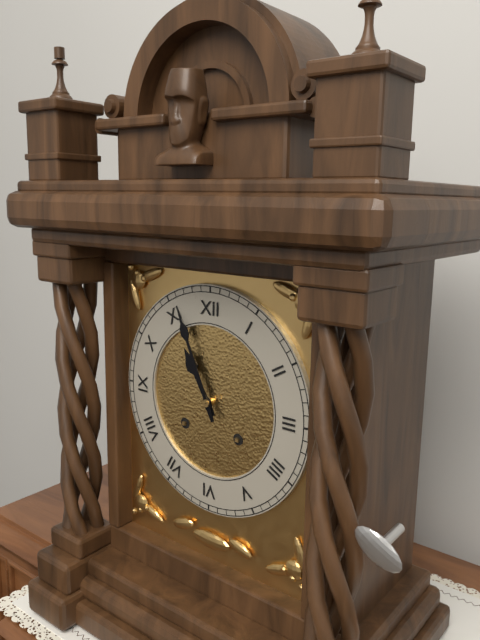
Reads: 10 h 56 min
